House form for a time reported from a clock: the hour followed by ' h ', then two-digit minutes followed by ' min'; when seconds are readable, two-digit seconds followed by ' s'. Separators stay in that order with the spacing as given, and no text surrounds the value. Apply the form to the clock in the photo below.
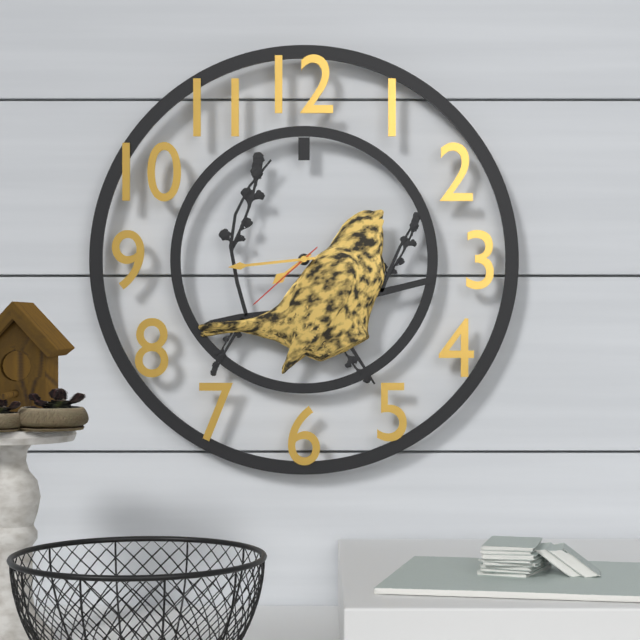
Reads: 7 h 44 min 38 s
